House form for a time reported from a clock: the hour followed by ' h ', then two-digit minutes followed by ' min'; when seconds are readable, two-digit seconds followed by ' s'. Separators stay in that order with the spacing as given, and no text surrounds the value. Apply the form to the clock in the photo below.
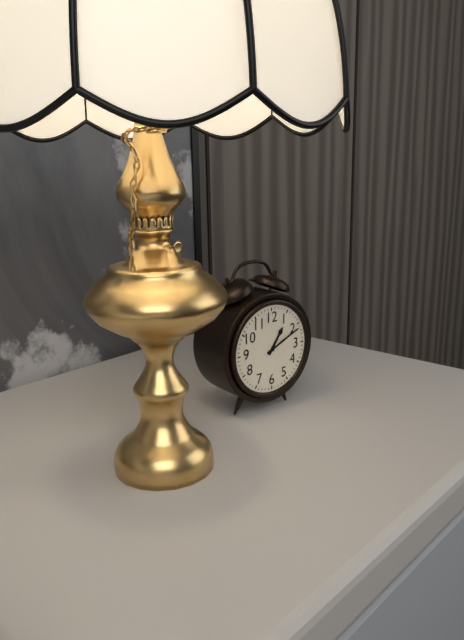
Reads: 1 h 11 min
